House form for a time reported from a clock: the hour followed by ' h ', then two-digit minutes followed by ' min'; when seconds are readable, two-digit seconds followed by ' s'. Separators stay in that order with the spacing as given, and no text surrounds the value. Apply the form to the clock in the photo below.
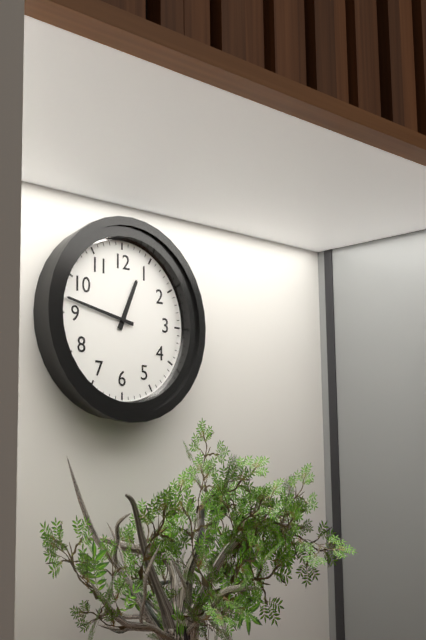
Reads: 12 h 47 min
